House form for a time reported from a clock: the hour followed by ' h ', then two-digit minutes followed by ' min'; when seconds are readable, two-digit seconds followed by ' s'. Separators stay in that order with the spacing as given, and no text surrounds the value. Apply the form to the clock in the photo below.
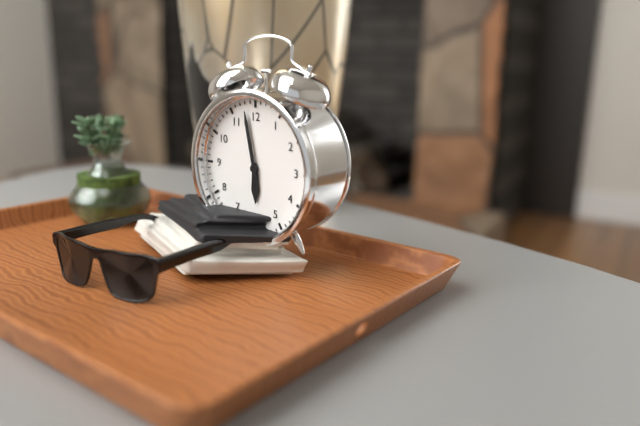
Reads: 5 h 58 min
